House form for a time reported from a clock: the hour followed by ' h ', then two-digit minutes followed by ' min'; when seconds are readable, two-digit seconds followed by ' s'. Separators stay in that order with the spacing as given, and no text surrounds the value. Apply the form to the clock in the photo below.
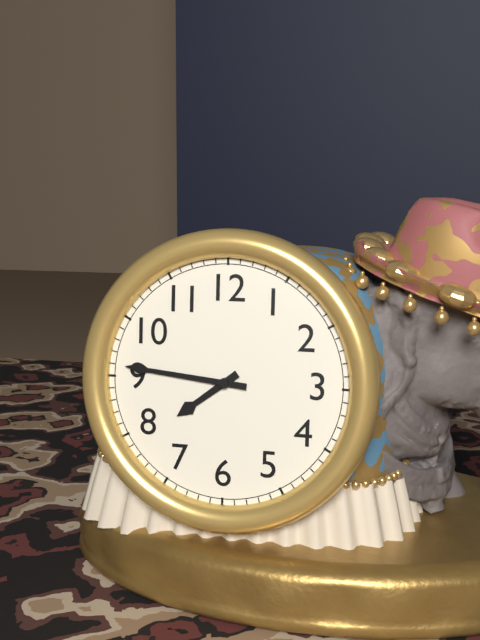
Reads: 7 h 46 min
